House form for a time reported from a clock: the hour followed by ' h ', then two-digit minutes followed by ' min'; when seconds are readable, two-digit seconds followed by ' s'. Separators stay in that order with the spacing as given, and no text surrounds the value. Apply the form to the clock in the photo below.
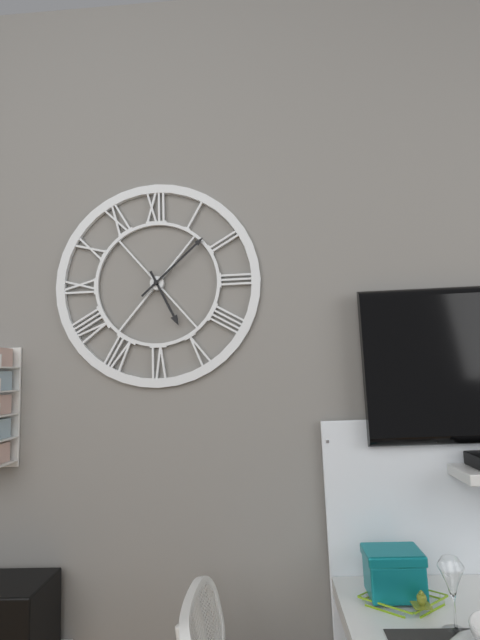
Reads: 5 h 08 min
